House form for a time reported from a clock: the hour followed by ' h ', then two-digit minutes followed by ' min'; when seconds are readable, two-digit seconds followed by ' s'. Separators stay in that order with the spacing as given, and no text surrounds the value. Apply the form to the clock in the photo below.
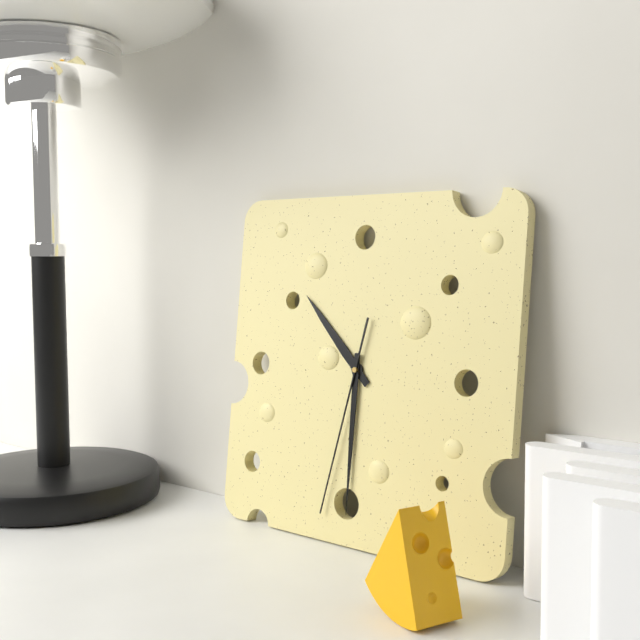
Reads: 10 h 30 min 32 s
